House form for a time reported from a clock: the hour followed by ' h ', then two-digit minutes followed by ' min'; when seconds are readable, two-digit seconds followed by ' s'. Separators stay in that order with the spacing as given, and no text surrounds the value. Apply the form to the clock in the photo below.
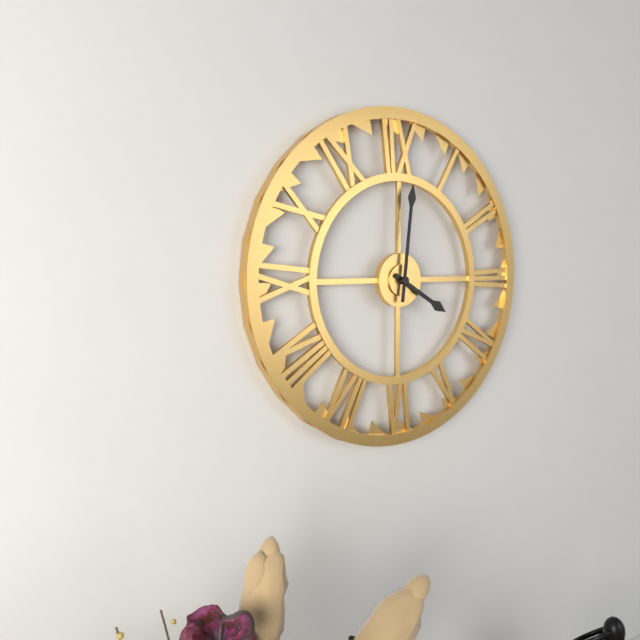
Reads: 4 h 01 min
